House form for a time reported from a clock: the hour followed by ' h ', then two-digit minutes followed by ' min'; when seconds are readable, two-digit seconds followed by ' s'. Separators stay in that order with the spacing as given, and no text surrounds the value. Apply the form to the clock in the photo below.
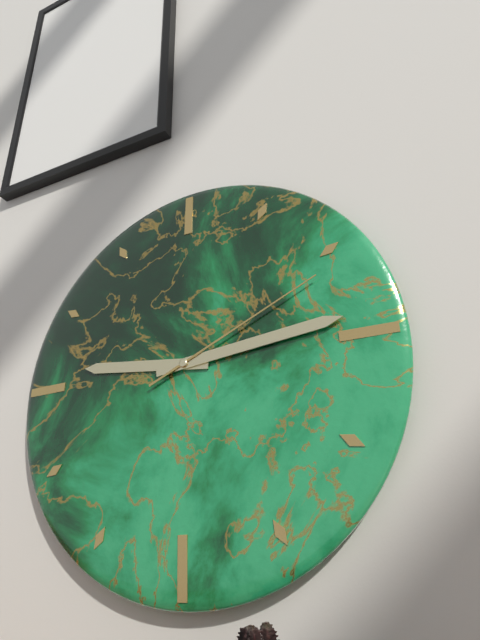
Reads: 9 h 14 min 11 s
